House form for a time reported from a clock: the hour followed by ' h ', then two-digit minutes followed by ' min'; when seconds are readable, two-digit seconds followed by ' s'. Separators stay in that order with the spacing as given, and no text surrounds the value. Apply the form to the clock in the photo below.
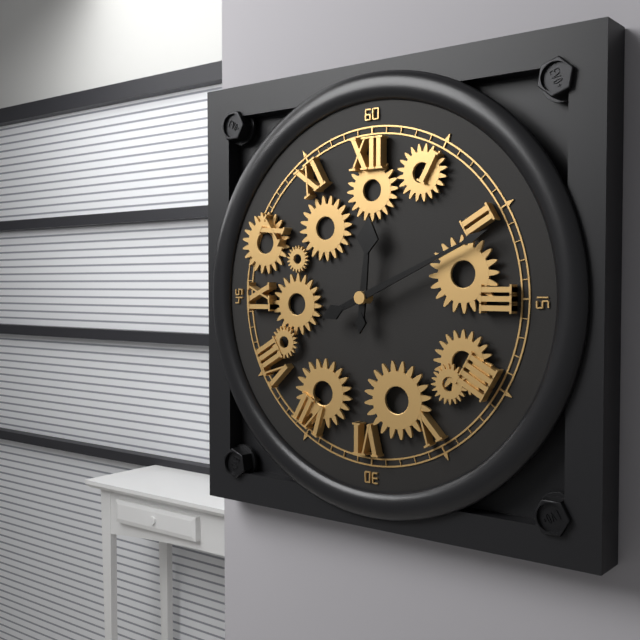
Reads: 12 h 11 min
